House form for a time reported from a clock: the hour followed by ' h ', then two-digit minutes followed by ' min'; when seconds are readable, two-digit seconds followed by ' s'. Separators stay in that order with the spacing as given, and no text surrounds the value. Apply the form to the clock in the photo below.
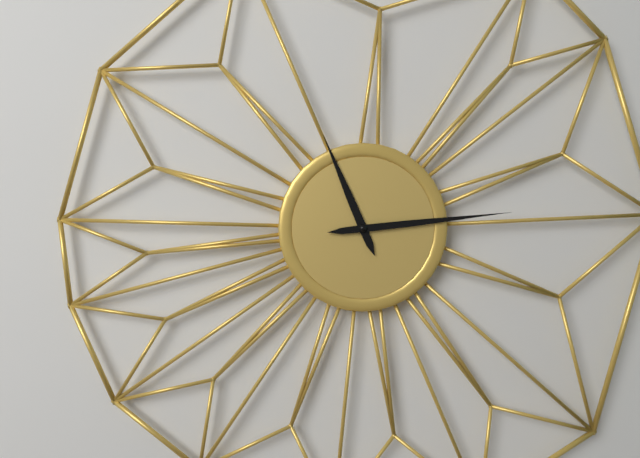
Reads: 11 h 14 min
